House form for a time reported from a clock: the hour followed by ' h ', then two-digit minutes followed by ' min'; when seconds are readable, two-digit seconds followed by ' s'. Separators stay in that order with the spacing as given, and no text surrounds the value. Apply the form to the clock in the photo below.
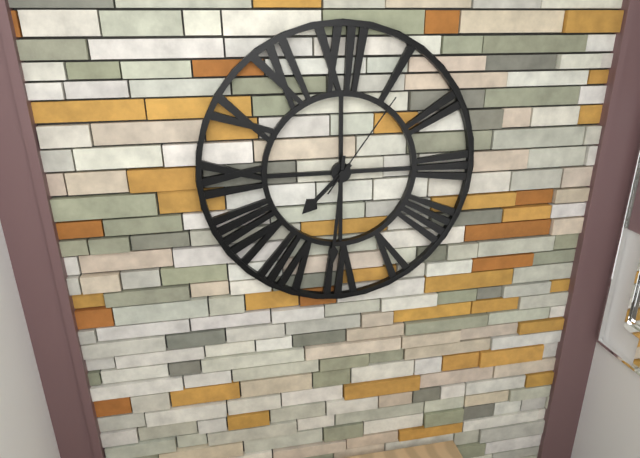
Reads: 7 h 31 min 06 s
